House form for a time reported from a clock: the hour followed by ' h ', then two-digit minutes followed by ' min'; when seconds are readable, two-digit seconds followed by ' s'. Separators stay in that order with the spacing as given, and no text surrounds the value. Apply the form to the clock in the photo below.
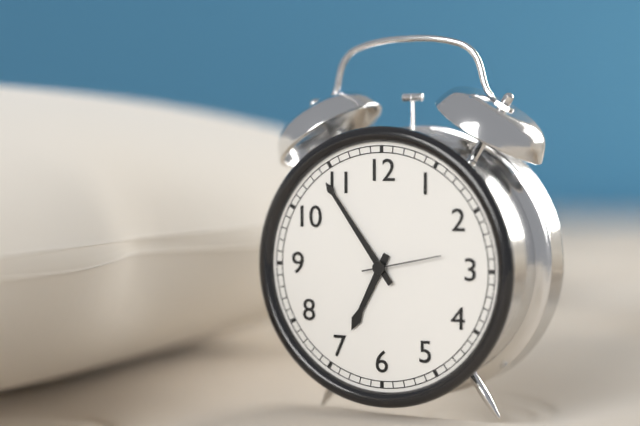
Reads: 6 h 54 min 13 s
